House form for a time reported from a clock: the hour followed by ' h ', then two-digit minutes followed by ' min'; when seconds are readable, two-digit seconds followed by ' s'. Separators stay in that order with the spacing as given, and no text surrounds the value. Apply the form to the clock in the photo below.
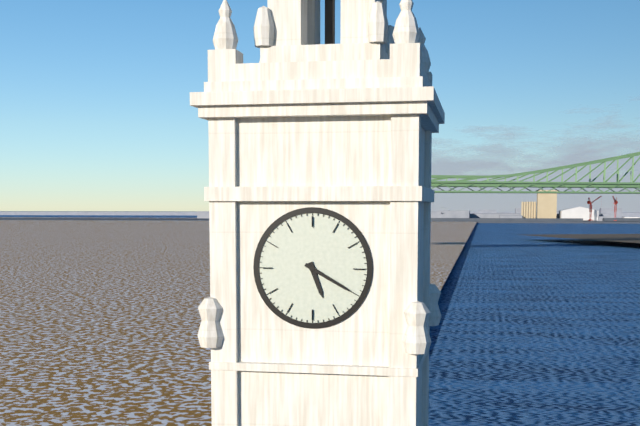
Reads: 5 h 20 min
